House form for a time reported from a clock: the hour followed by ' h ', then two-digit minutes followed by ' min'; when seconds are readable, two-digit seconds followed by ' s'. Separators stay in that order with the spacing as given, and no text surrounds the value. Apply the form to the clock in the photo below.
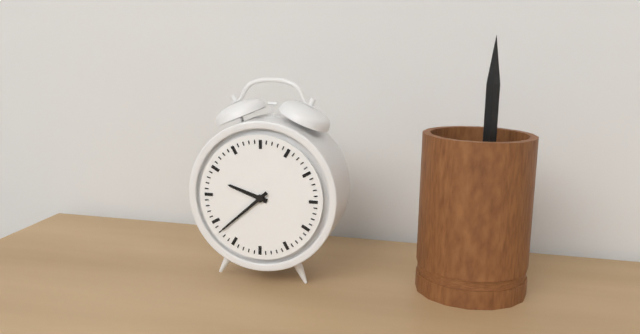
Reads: 9 h 38 min
